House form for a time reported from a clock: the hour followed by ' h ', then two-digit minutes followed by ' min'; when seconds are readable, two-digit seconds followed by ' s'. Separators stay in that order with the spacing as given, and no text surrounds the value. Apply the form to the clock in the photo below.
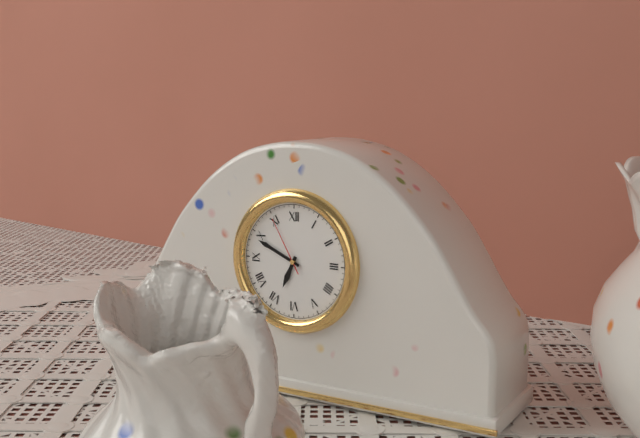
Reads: 6 h 49 min 55 s
